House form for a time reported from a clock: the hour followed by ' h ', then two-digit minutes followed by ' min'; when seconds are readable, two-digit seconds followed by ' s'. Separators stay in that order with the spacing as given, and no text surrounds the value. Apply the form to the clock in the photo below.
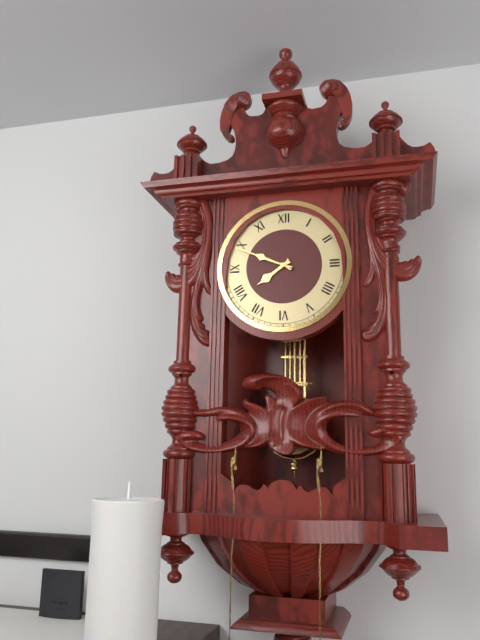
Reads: 7 h 49 min
